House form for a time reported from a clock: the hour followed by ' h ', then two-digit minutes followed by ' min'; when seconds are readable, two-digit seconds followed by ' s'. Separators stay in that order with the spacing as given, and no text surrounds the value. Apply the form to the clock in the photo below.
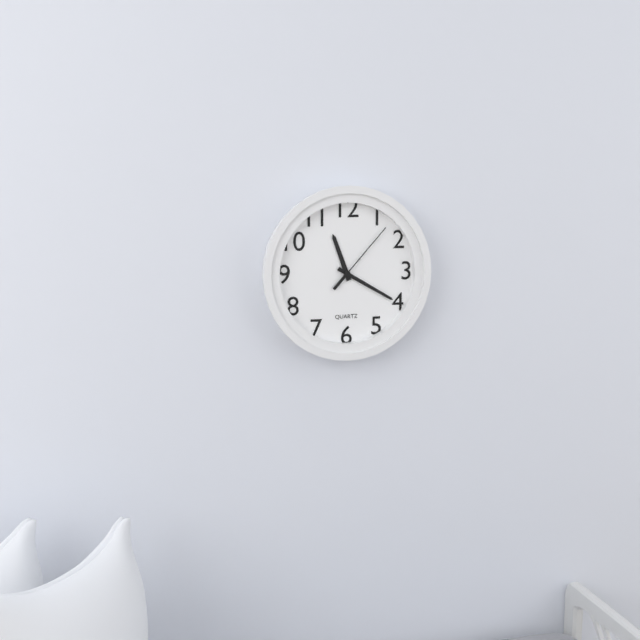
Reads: 11 h 20 min 07 s
